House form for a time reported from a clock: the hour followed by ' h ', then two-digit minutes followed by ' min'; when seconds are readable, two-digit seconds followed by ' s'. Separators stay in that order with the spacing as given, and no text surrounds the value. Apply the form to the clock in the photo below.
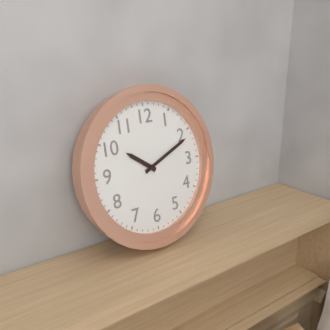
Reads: 10 h 11 min
